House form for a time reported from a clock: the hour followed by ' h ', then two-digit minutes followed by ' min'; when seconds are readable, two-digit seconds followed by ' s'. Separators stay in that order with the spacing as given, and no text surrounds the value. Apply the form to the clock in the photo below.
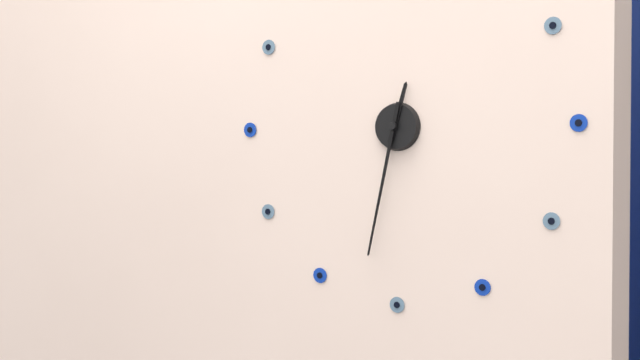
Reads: 12 h 32 min
